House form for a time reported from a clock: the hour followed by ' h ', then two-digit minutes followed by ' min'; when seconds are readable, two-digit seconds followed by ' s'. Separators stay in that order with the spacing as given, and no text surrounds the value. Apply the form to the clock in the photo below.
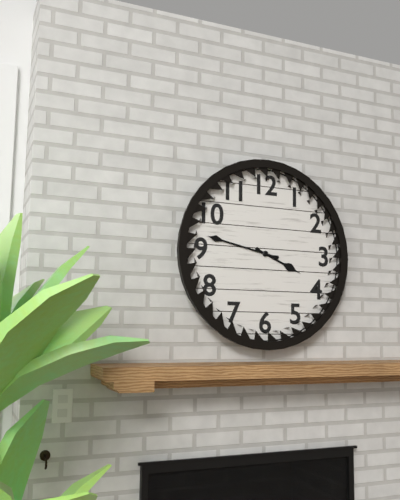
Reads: 3 h 47 min
